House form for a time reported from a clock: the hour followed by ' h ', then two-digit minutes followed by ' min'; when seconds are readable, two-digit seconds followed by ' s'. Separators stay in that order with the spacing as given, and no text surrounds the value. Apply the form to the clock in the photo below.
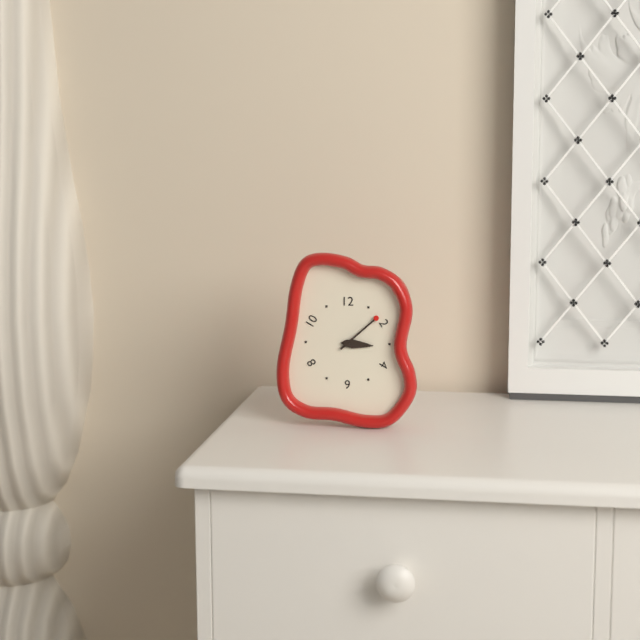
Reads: 3 h 08 min
